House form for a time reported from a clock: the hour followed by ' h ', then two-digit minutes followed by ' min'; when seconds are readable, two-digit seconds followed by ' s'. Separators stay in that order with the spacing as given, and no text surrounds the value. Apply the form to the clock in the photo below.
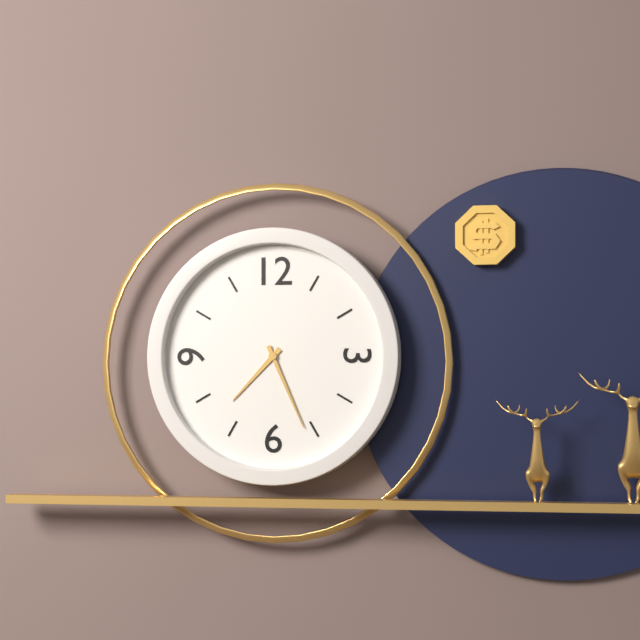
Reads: 7 h 26 min
